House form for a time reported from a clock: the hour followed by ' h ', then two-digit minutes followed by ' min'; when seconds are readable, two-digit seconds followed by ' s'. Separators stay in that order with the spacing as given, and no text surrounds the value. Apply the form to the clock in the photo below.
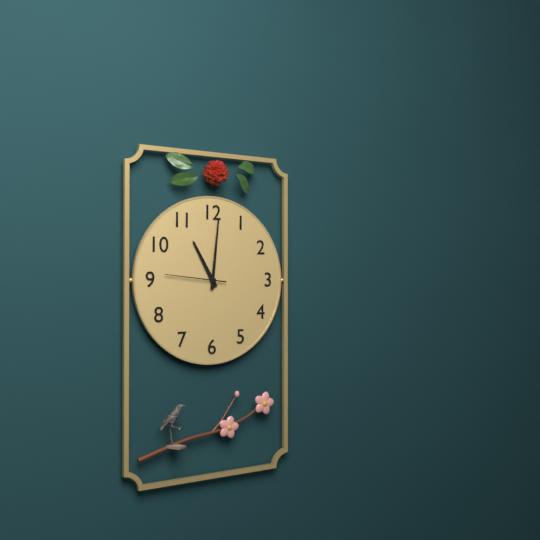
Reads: 11 h 01 min 46 s
